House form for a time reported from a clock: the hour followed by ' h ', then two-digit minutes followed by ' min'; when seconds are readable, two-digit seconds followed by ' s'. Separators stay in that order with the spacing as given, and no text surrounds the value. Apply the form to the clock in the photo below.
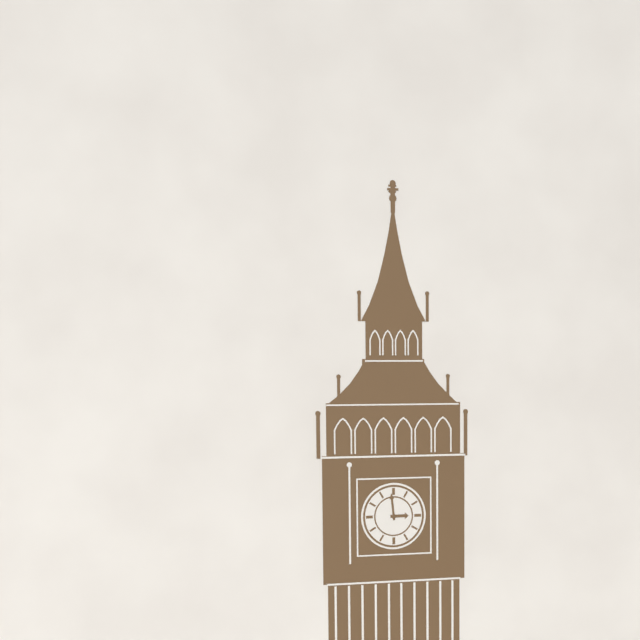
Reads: 2 h 59 min
